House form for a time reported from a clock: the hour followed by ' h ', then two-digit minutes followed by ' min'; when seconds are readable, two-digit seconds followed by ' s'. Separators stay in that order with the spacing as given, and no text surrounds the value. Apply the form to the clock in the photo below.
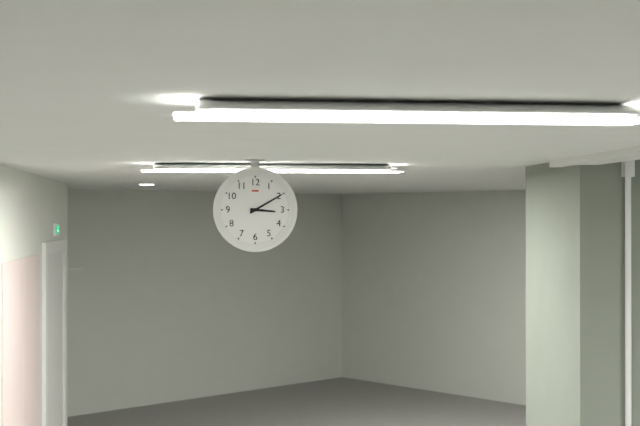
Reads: 3 h 10 min
